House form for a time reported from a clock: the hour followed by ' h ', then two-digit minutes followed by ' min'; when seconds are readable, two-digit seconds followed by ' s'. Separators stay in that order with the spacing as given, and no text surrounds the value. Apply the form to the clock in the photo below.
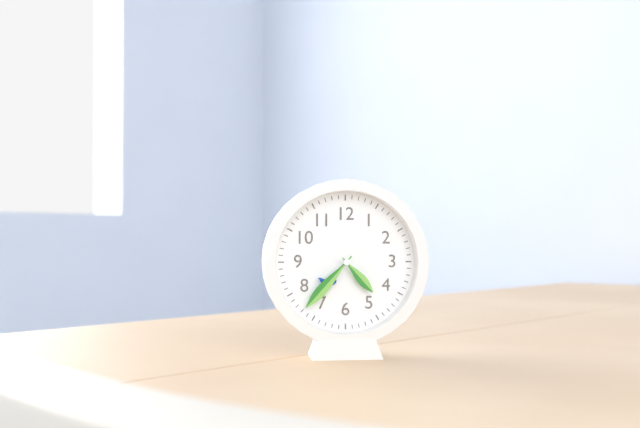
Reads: 4 h 37 min
